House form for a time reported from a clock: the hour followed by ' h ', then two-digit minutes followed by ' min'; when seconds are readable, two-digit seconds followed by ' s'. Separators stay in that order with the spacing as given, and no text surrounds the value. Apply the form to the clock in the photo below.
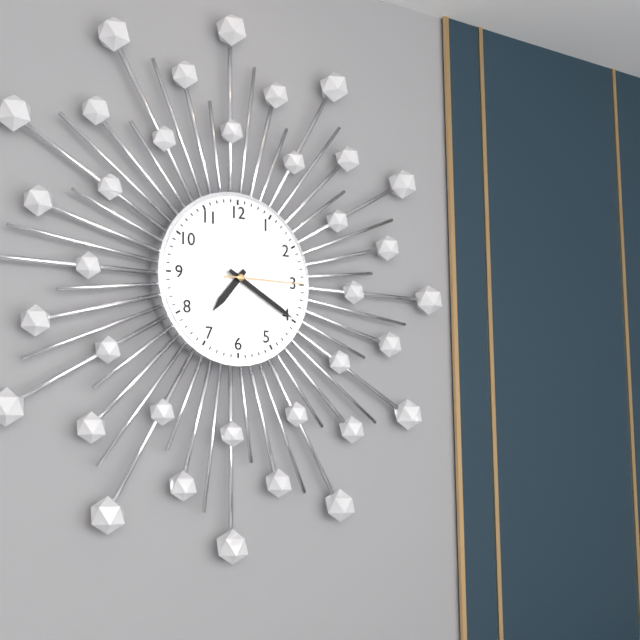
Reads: 7 h 20 min 15 s
